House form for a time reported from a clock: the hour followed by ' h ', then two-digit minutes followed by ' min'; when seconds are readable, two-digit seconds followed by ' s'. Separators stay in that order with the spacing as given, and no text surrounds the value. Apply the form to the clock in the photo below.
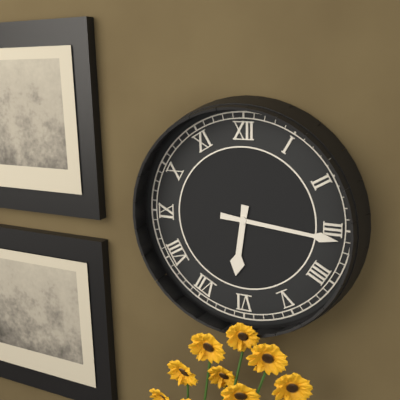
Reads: 6 h 16 min
